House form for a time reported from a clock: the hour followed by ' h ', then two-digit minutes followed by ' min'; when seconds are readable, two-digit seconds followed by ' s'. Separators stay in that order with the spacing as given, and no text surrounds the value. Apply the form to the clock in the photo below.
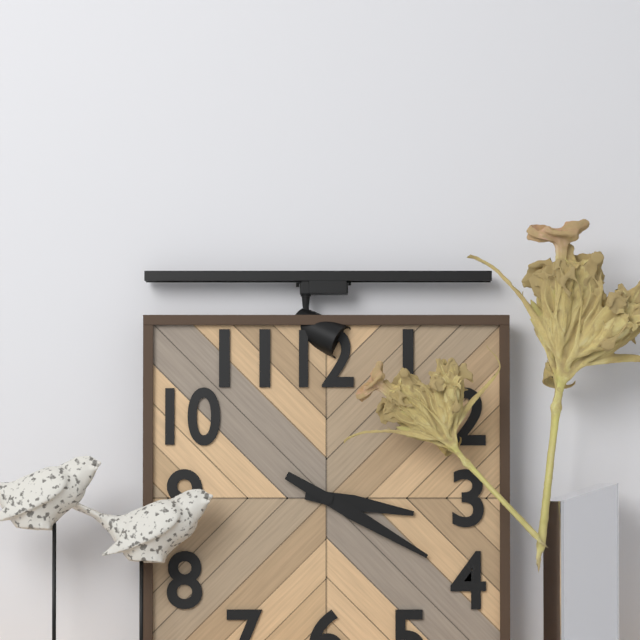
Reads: 3 h 20 min
